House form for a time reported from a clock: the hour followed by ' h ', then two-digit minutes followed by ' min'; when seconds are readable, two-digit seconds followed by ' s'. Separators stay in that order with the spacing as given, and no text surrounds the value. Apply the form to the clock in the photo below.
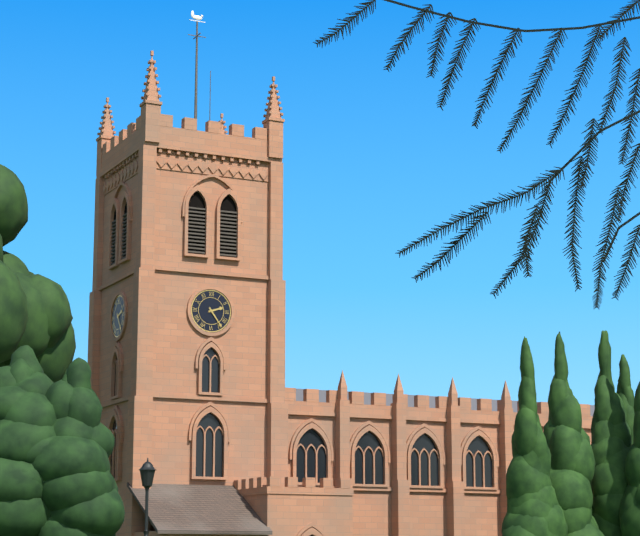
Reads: 2 h 24 min
